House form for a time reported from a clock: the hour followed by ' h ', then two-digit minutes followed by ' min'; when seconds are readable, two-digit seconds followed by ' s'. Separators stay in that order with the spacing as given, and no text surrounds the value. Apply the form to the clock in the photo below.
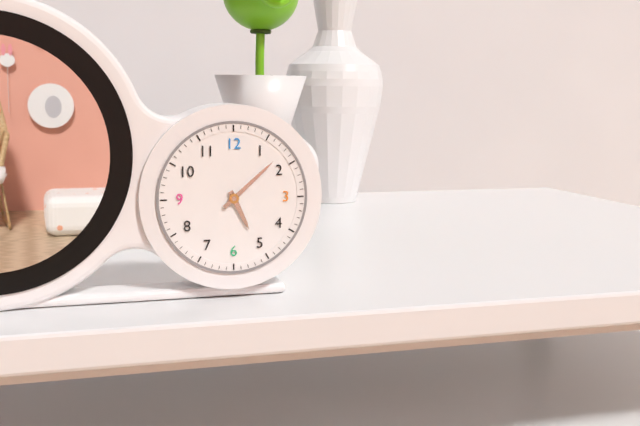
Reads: 5 h 08 min
